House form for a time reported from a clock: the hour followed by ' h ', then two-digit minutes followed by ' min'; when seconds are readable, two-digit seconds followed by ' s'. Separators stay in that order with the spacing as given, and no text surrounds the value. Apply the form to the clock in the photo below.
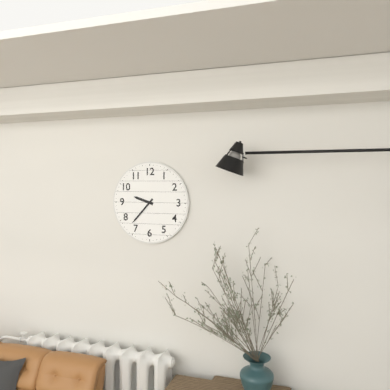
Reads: 9 h 37 min
